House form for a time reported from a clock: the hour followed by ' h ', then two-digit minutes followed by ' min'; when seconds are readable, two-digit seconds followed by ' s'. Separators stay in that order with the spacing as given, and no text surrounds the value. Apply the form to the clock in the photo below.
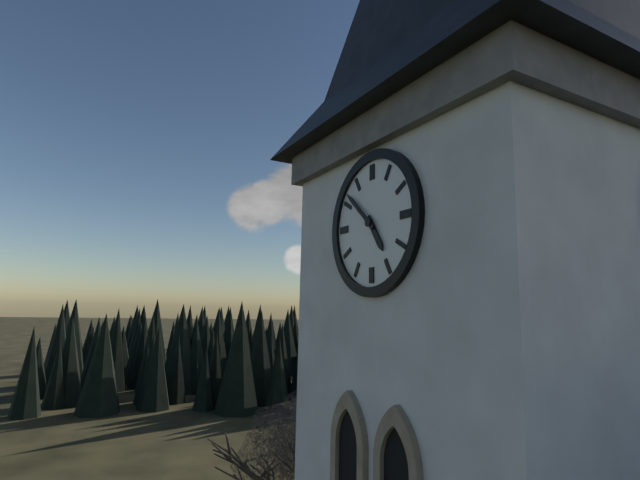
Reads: 4 h 52 min
